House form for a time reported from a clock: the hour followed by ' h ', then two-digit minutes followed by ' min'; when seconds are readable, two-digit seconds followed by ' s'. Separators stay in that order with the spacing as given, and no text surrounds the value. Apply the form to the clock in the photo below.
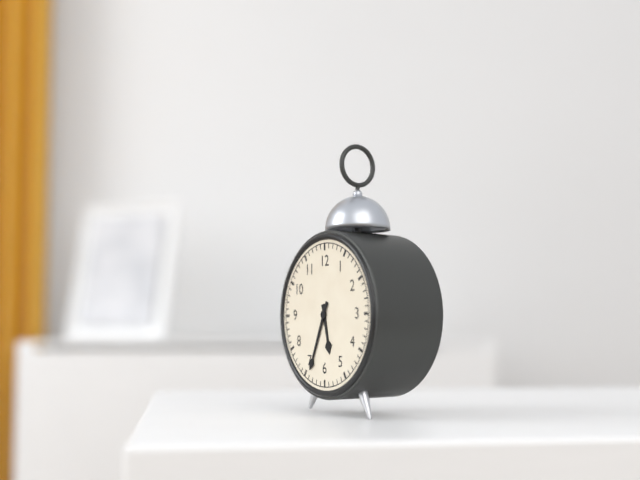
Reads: 5 h 34 min
